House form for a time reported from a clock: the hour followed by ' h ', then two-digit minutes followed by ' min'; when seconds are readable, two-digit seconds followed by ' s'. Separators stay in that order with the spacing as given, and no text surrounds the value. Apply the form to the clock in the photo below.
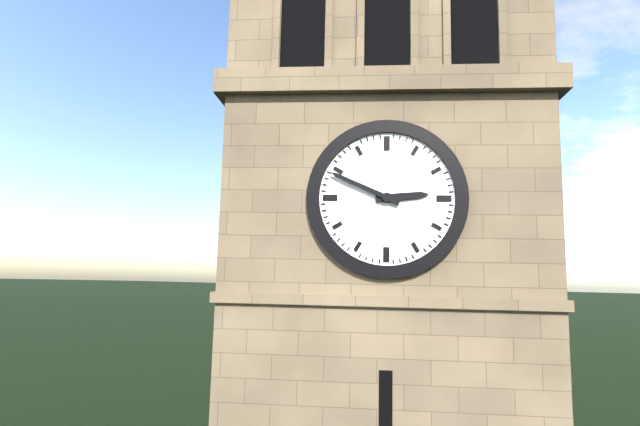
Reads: 2 h 49 min
